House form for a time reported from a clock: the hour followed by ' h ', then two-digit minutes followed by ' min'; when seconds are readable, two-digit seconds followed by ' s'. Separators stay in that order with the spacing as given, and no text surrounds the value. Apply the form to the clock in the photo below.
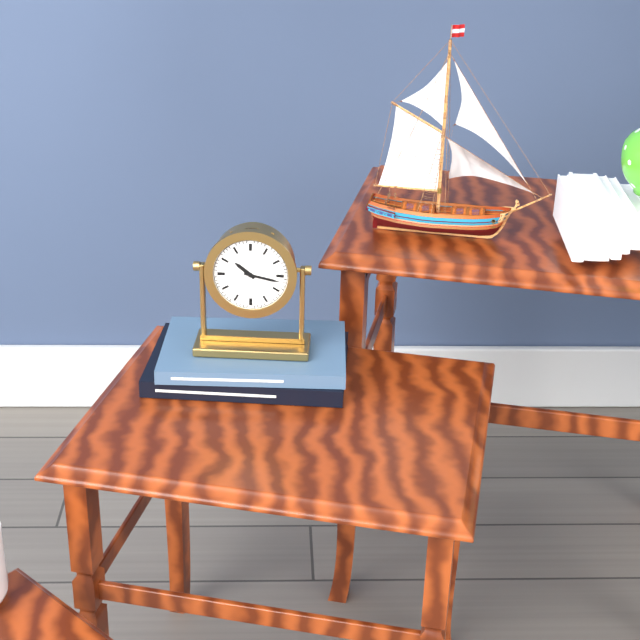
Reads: 10 h 17 min
